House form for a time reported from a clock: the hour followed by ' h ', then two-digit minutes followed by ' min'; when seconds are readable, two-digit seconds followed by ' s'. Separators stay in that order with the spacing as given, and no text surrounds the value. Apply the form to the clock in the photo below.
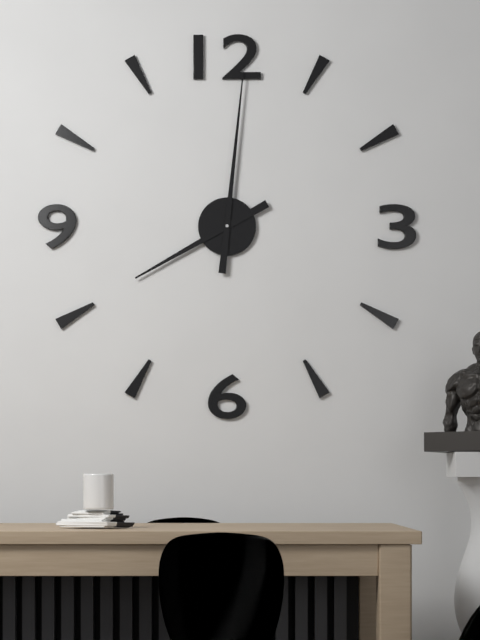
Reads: 8 h 01 min
